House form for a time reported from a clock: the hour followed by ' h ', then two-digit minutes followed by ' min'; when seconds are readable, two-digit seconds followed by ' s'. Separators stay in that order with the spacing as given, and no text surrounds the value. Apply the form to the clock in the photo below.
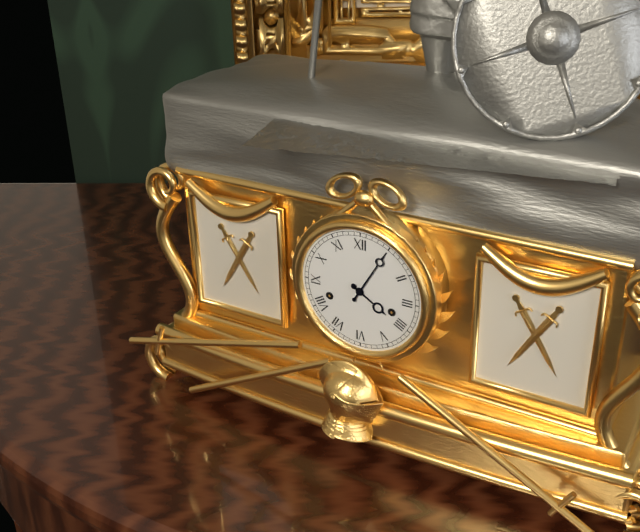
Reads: 4 h 05 min
